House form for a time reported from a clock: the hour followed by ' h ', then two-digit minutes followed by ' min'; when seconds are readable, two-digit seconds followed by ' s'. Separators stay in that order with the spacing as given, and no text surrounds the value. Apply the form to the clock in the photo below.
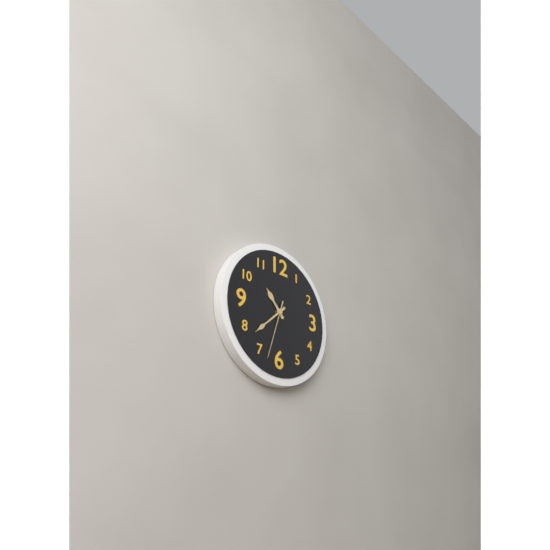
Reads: 10 h 38 min 33 s
